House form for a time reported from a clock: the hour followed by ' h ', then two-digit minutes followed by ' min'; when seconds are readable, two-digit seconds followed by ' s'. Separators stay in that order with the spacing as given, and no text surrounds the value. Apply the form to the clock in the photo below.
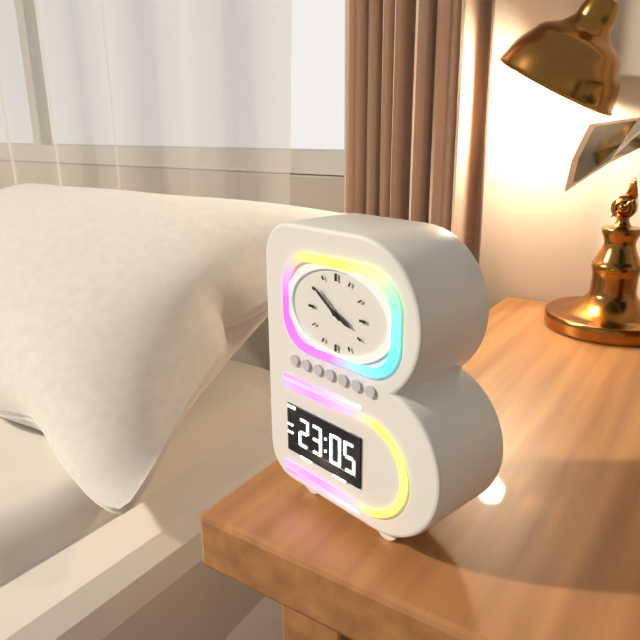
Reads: 3 h 51 min
